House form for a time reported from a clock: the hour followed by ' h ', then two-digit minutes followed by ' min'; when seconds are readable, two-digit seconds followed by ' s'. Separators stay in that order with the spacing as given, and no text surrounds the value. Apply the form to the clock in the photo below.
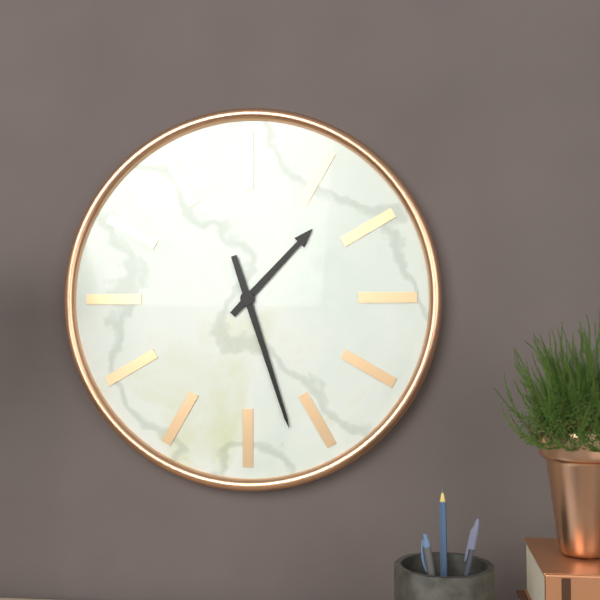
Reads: 1 h 27 min
